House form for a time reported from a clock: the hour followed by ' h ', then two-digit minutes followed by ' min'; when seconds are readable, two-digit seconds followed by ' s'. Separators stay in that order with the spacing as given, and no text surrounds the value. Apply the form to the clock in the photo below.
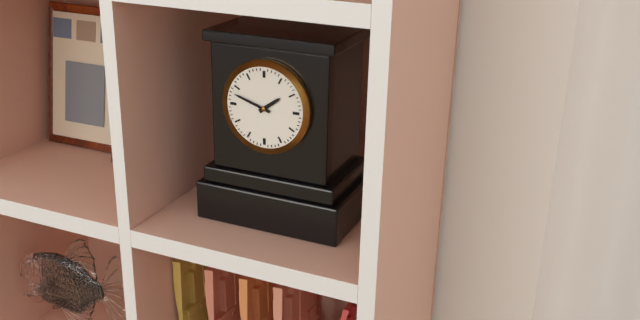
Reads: 1 h 48 min
